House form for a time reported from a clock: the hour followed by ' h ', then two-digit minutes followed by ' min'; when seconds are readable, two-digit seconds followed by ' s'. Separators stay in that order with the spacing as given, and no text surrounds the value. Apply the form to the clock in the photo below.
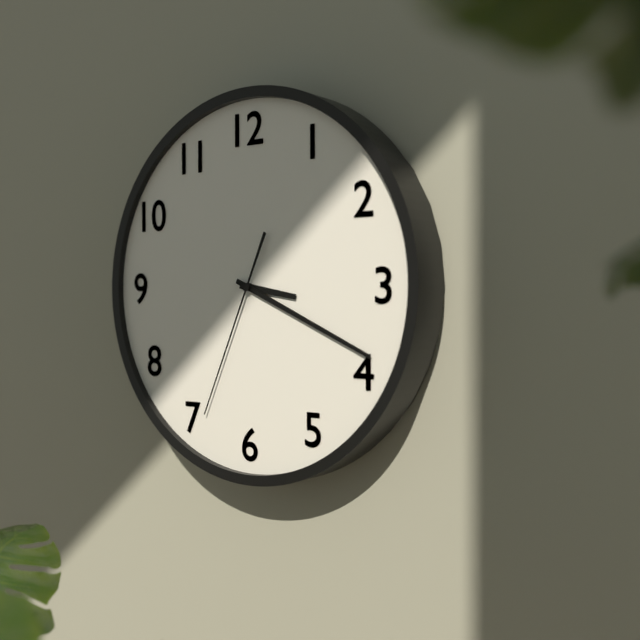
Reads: 3 h 19 min 34 s
